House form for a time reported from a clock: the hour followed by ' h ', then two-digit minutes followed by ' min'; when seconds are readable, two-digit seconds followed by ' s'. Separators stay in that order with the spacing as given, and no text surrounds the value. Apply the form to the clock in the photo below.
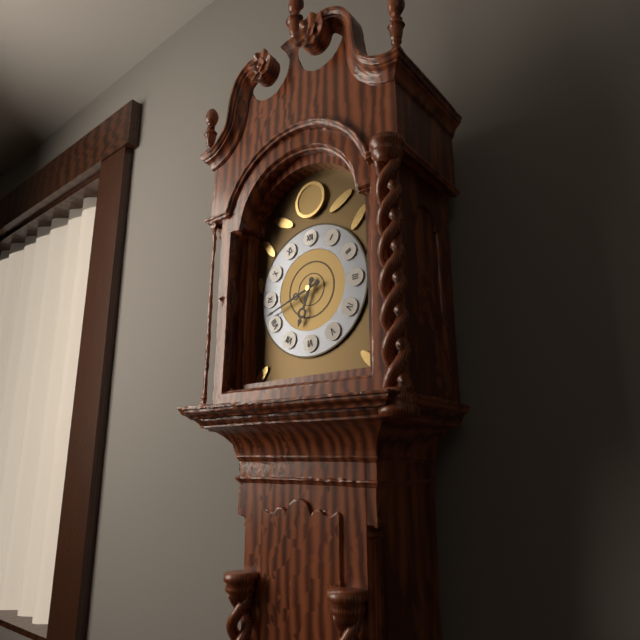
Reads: 6 h 42 min
